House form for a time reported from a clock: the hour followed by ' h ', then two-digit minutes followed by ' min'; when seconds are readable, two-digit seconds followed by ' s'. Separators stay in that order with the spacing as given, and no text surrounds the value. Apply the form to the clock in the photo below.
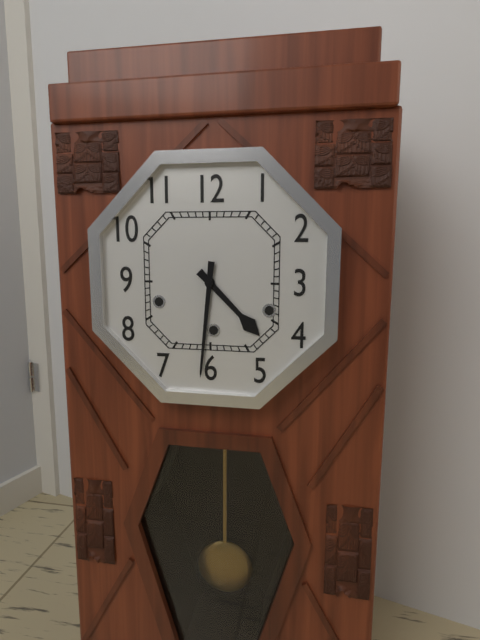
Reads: 4 h 31 min
